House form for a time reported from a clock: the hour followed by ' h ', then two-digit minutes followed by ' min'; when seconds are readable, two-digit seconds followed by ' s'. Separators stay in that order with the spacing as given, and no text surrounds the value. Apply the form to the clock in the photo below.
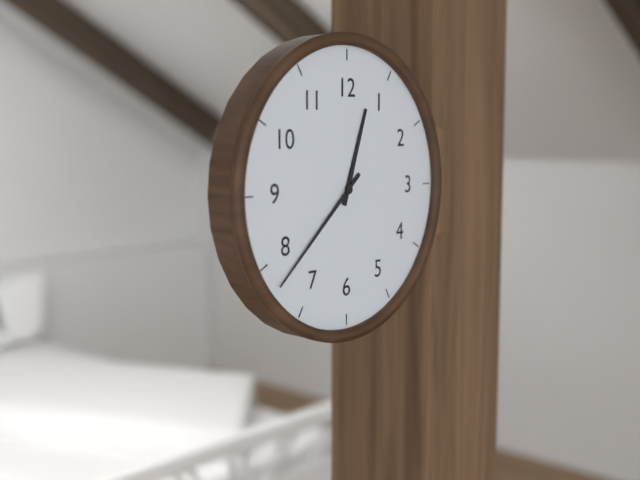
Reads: 12 h 38 min
